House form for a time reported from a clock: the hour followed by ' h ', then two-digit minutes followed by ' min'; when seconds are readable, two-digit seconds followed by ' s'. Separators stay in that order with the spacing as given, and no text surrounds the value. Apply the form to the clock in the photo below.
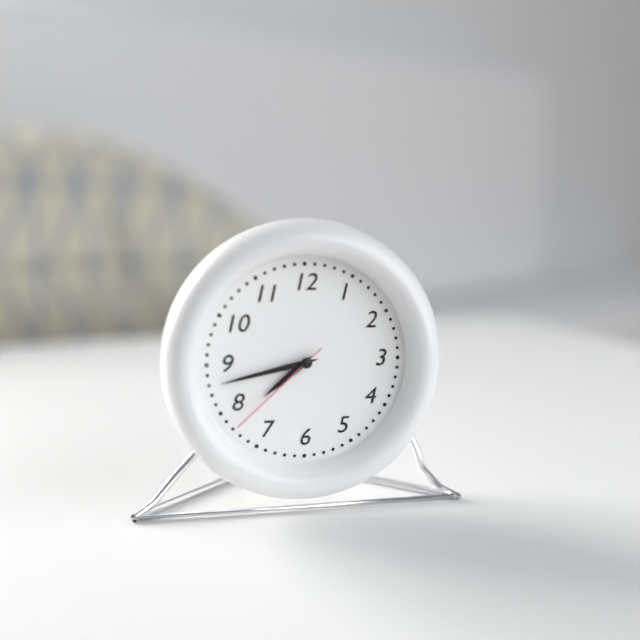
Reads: 7 h 43 min 38 s
